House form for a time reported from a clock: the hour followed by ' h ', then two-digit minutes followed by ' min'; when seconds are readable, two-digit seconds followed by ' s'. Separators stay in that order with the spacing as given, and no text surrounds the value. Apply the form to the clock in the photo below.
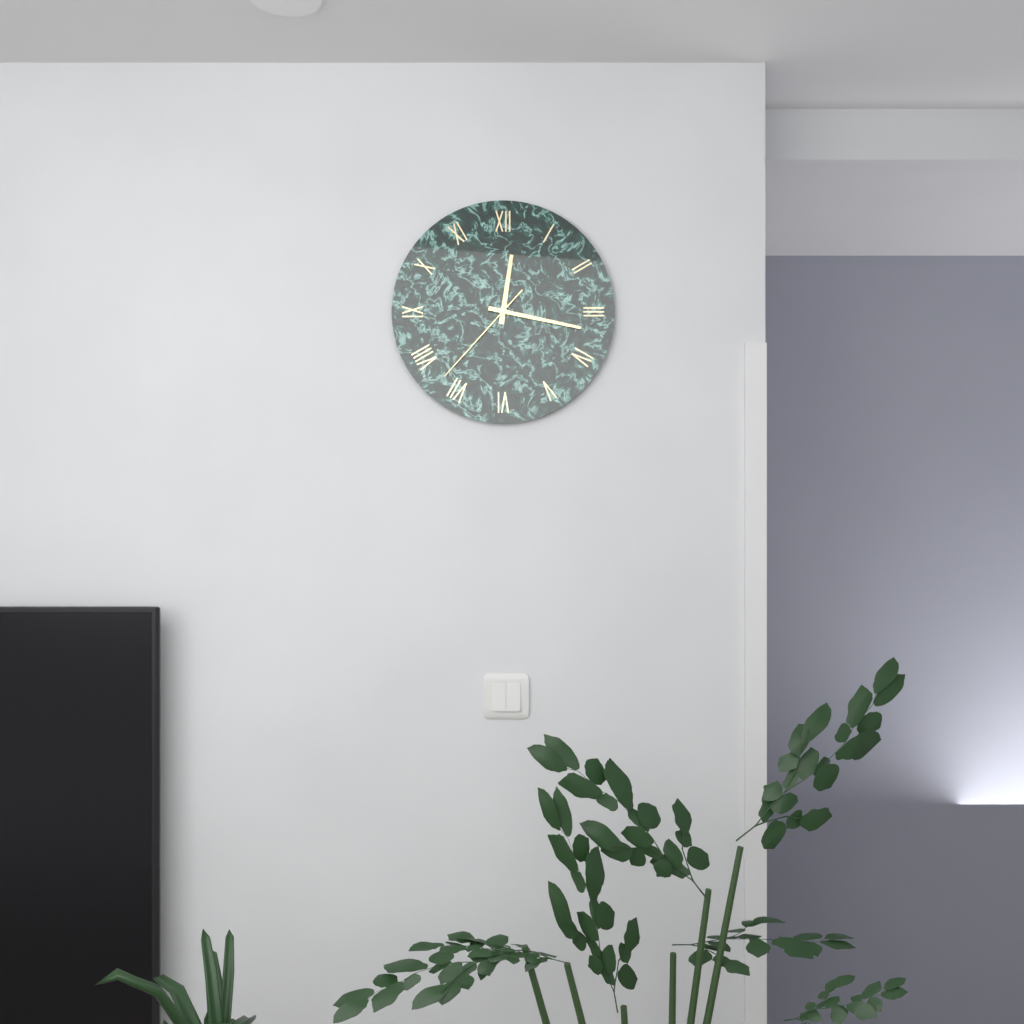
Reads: 12 h 17 min 37 s
